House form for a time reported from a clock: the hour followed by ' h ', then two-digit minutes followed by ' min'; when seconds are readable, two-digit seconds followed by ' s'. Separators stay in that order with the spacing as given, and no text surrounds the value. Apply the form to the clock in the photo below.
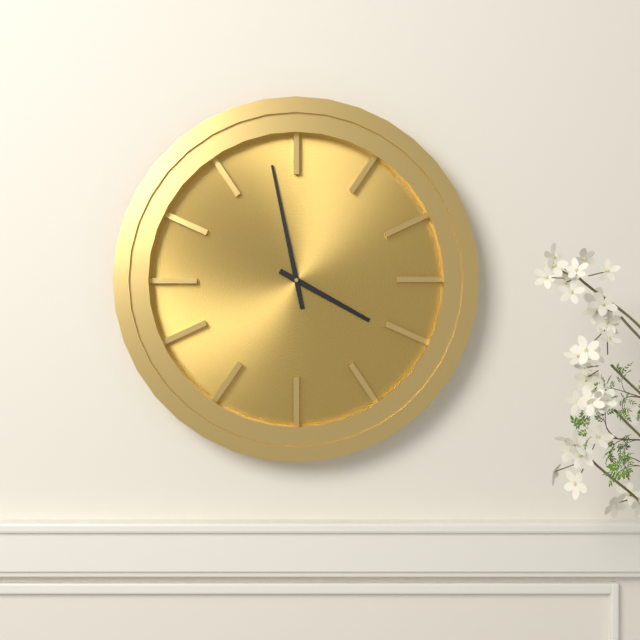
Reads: 3 h 58 min
